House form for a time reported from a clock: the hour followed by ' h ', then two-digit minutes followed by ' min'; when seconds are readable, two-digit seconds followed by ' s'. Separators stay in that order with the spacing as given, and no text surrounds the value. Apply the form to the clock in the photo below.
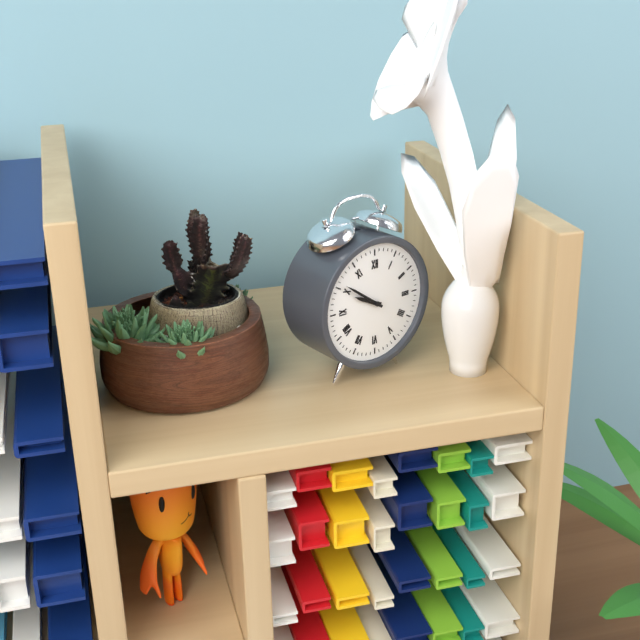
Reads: 9 h 51 min
